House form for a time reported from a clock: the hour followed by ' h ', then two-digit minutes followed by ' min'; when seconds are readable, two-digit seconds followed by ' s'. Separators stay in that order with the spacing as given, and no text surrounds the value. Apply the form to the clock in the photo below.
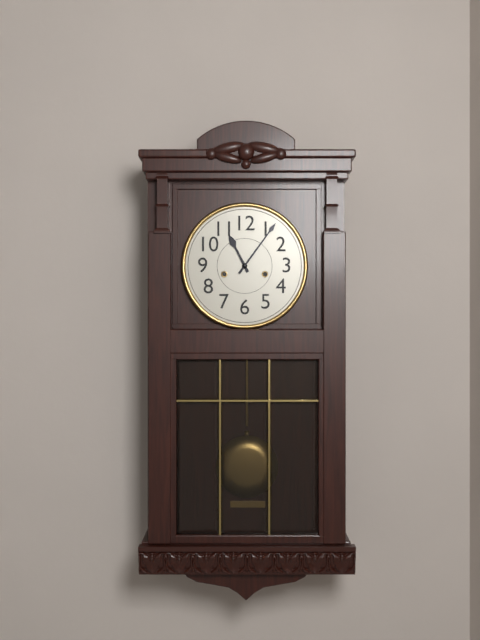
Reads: 11 h 06 min
